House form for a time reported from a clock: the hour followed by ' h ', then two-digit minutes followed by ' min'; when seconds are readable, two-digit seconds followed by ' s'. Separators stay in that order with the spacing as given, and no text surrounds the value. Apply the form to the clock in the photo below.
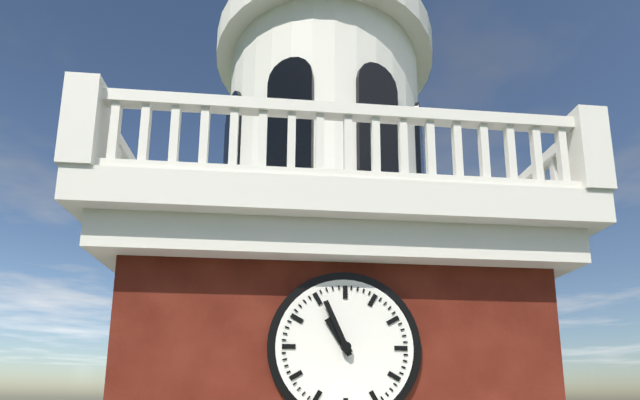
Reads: 10 h 56 min
